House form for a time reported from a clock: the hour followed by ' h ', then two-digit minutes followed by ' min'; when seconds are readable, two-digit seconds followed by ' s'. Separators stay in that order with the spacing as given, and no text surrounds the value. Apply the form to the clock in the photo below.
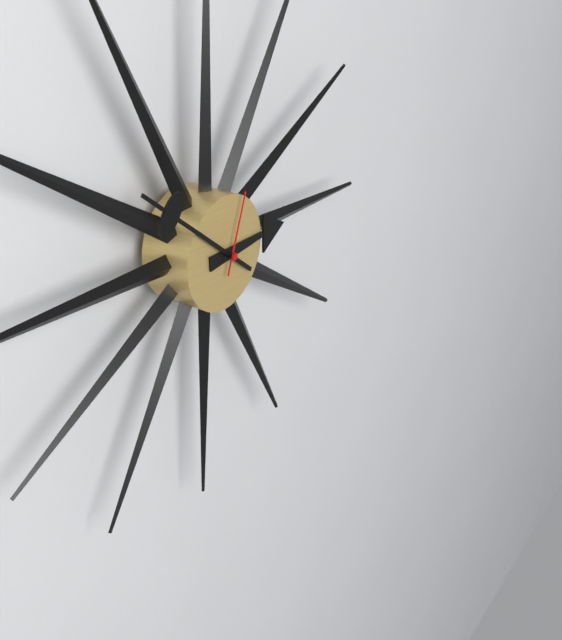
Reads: 2 h 51 min 03 s
